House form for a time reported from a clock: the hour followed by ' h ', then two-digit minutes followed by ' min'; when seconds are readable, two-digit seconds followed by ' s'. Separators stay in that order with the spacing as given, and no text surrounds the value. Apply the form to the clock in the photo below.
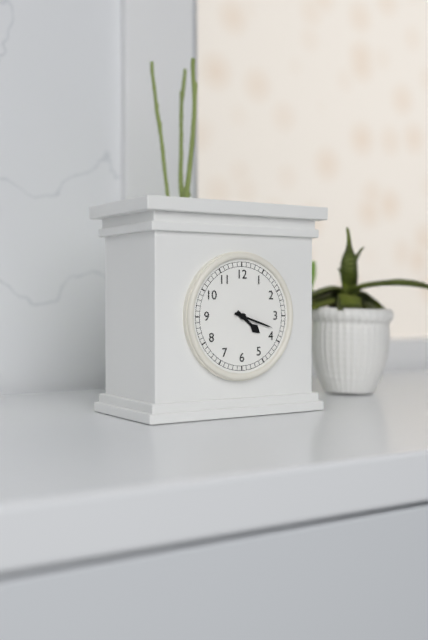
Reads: 4 h 18 min
